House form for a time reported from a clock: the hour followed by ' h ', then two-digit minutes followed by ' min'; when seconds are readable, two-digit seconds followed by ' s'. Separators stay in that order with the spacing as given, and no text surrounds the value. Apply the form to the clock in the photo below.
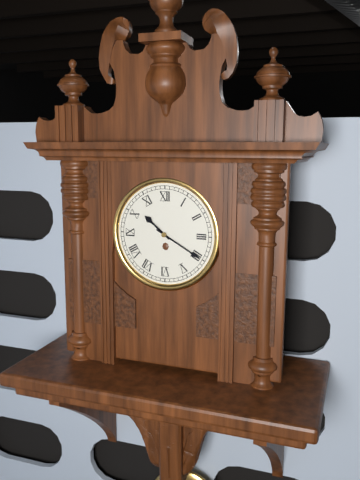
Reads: 10 h 20 min
